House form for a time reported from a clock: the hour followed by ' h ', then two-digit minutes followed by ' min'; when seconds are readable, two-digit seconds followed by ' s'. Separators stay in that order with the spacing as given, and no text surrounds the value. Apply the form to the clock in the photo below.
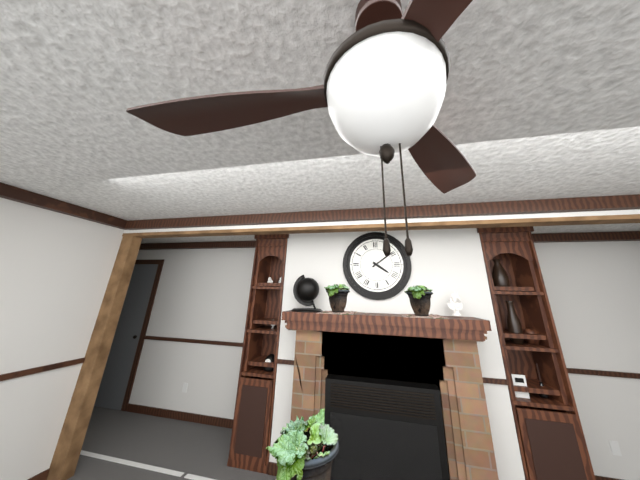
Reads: 4 h 09 min
